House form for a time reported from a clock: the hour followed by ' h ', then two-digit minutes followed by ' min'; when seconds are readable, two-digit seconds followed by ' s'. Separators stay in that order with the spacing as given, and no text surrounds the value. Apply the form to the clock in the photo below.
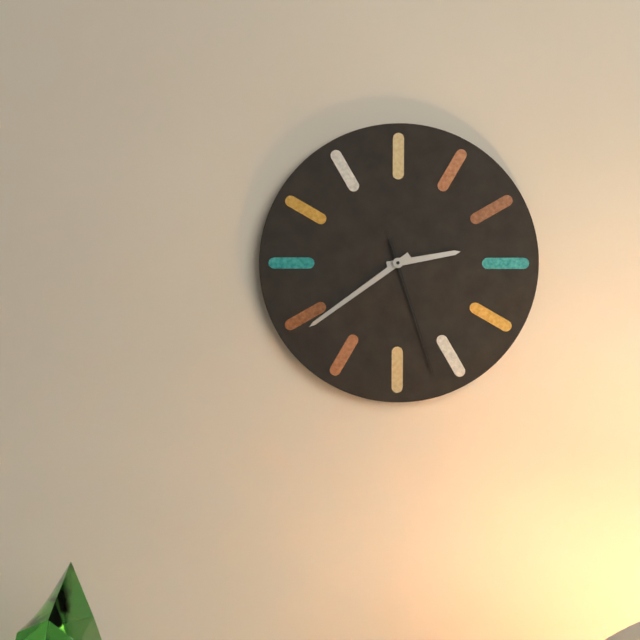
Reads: 2 h 39 min 27 s
